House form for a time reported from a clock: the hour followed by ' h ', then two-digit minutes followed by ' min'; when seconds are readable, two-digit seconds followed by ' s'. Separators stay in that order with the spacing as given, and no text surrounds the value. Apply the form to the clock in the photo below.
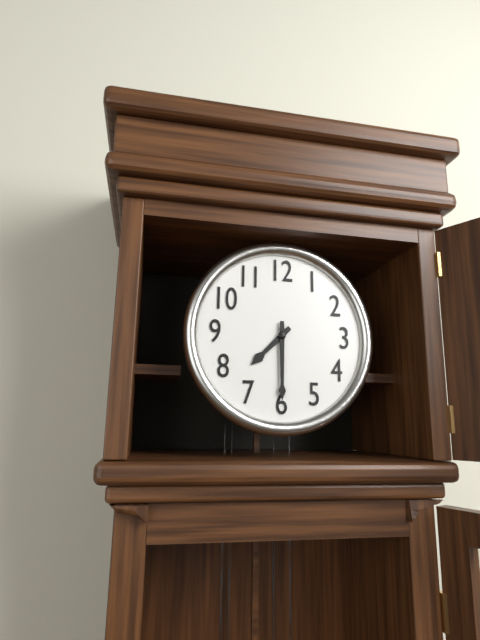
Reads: 7 h 30 min
